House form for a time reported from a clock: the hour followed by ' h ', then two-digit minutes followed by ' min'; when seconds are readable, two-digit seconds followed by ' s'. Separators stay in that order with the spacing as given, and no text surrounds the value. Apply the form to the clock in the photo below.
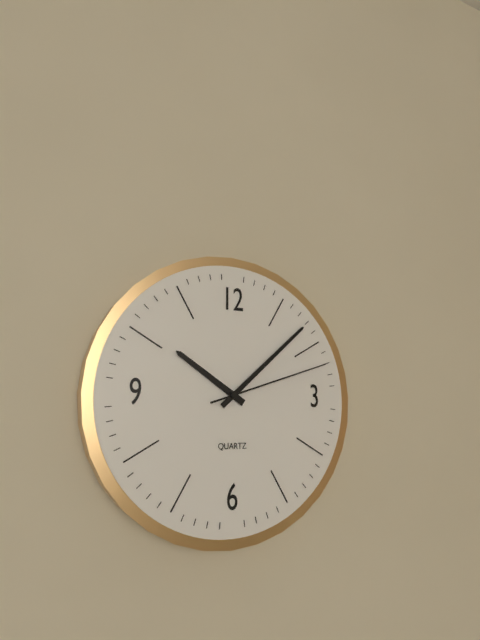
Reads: 10 h 08 min 12 s
